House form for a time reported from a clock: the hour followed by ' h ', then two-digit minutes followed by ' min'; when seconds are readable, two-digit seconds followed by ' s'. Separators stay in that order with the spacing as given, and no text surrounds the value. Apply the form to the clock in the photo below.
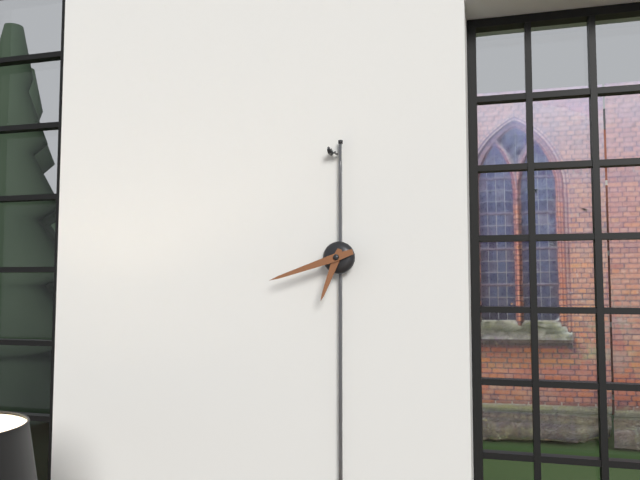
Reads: 6 h 42 min
